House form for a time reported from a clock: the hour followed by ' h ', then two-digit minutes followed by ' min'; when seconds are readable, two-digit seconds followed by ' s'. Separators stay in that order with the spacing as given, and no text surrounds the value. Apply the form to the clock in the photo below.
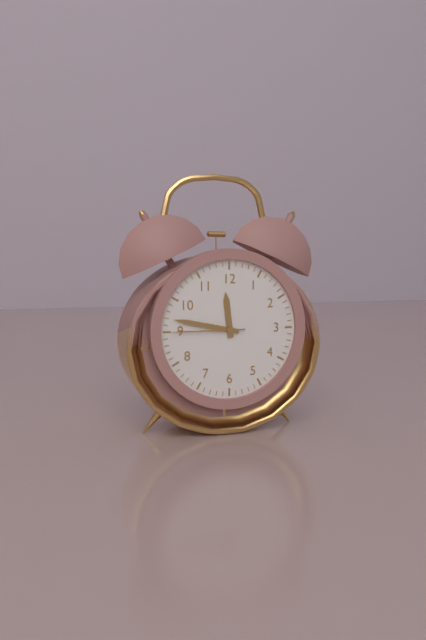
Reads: 11 h 47 min 45 s
